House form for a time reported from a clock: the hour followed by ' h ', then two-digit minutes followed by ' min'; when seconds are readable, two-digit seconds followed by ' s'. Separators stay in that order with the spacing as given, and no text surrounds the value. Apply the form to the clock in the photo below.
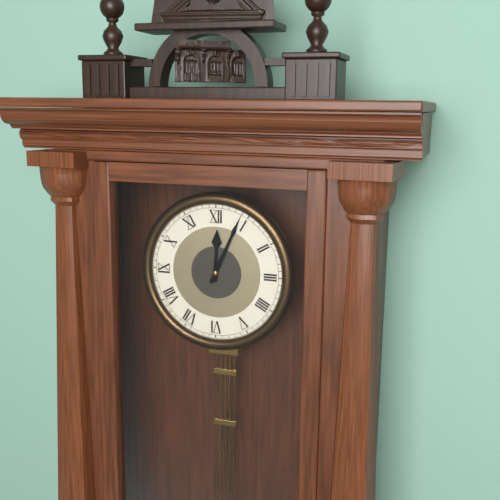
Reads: 12 h 04 min
